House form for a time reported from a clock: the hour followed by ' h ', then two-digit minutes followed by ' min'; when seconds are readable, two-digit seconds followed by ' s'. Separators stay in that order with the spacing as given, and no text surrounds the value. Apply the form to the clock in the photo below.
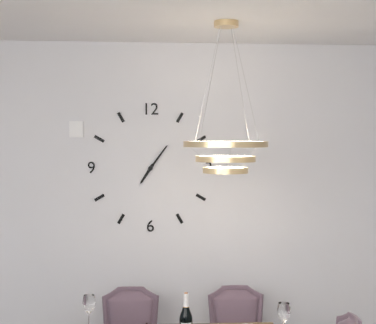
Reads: 7 h 06 min
